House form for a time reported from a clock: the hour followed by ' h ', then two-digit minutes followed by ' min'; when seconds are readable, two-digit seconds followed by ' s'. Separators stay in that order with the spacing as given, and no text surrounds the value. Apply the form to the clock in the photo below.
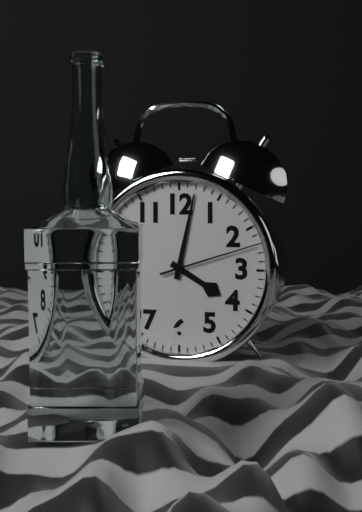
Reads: 4 h 02 min 12 s
